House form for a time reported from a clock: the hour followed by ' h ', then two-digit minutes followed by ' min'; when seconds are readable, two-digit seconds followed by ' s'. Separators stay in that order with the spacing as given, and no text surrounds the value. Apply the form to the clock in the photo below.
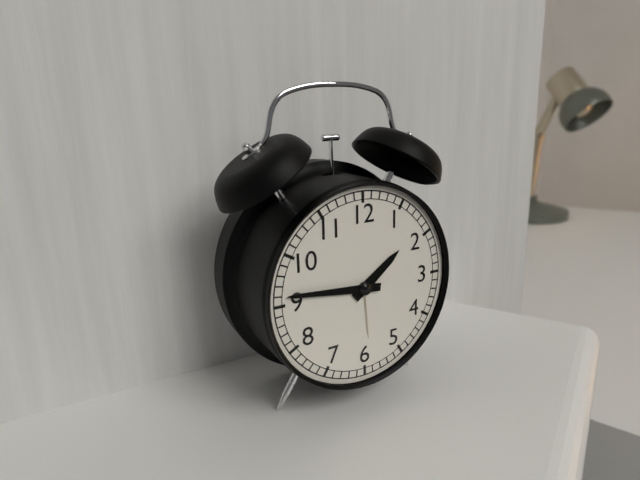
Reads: 1 h 46 min
